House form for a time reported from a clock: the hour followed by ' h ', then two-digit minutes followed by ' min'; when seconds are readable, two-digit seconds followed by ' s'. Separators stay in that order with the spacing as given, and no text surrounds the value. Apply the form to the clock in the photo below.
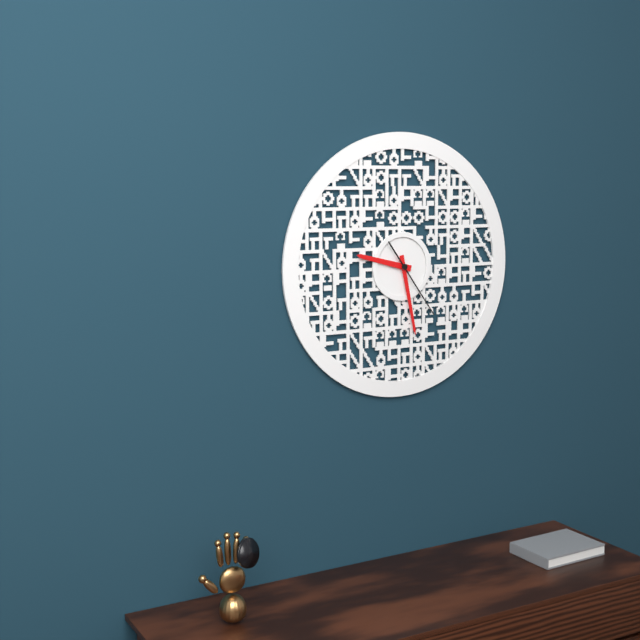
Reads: 9 h 28 min 24 s
